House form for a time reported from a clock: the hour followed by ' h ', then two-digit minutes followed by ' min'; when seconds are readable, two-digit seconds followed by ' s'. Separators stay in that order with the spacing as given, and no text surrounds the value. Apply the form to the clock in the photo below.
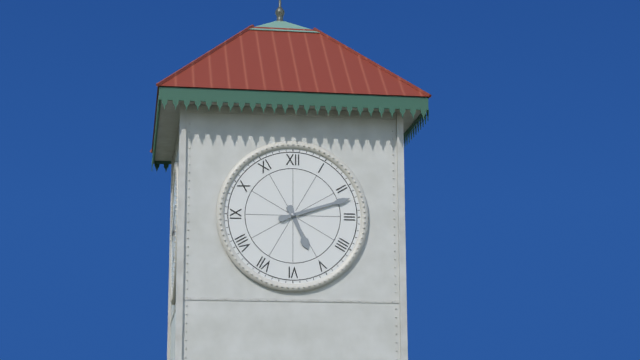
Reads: 5 h 12 min
